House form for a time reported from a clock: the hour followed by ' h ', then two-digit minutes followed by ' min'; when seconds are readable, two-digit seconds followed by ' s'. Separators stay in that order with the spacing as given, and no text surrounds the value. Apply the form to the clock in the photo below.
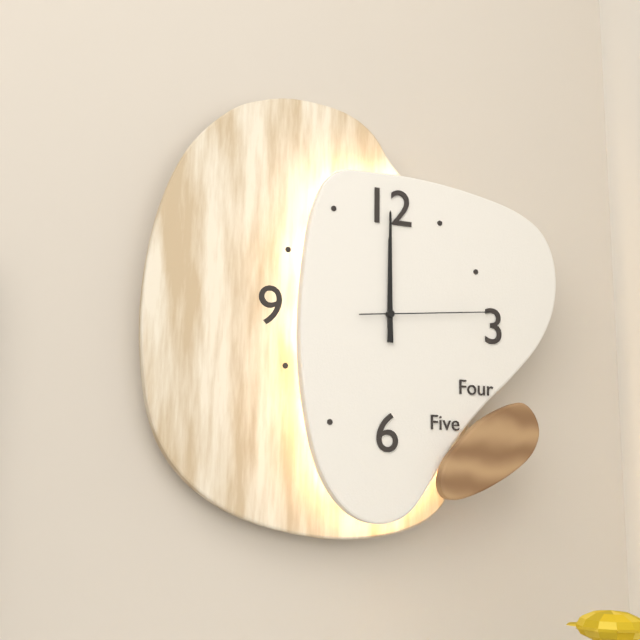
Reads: 12 h 00 min 14 s
